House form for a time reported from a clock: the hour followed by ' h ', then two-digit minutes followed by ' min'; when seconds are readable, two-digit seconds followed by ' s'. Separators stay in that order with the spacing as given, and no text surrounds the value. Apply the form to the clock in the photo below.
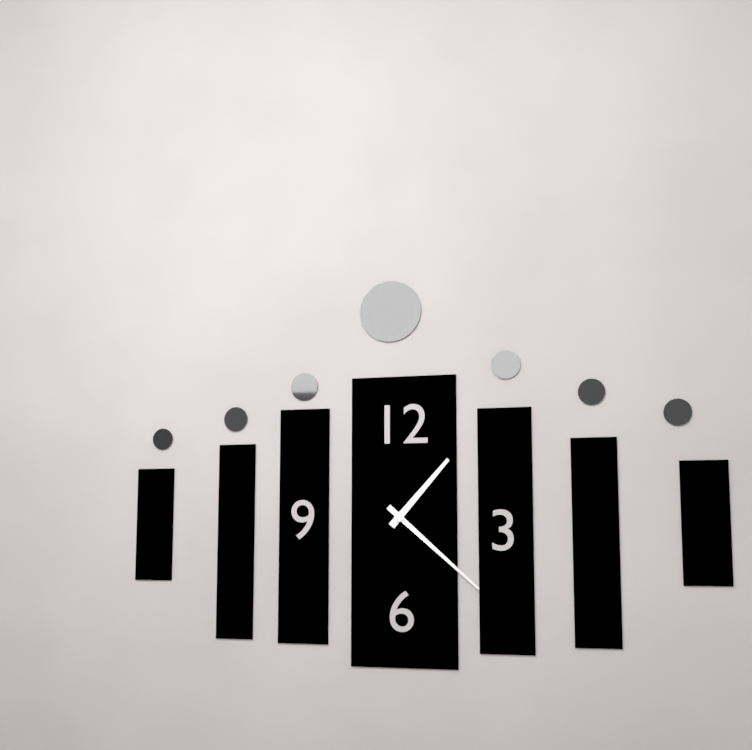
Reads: 1 h 22 min
